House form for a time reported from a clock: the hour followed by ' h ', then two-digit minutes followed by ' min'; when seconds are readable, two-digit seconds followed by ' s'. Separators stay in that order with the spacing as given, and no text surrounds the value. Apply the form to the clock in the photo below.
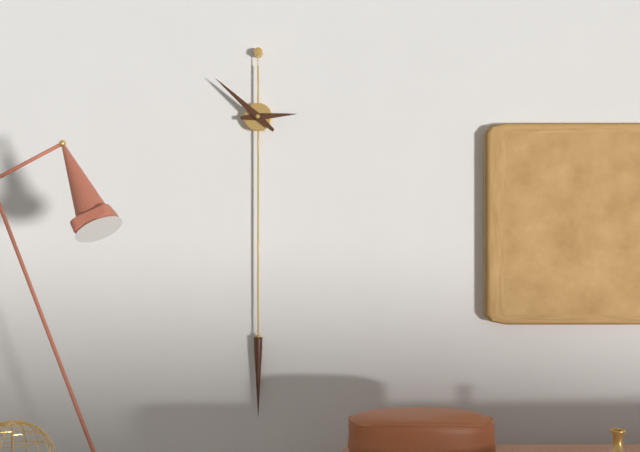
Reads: 2 h 52 min
